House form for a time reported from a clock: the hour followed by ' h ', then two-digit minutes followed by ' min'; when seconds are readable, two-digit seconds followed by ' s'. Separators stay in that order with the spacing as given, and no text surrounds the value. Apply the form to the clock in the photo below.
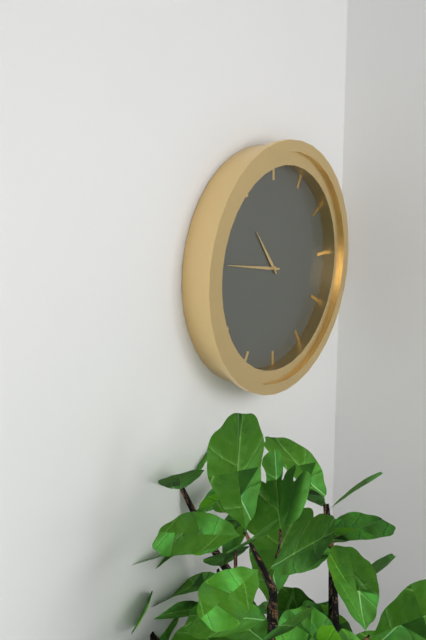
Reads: 10 h 47 min
